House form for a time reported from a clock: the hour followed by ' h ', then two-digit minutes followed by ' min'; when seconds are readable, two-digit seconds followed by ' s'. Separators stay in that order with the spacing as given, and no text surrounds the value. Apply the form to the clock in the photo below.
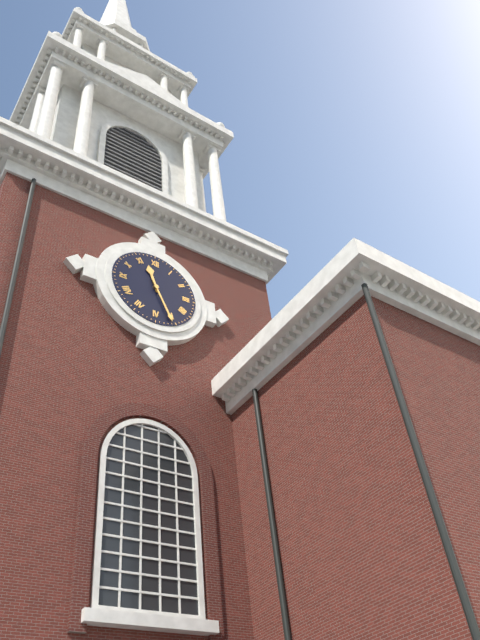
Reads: 11 h 26 min
